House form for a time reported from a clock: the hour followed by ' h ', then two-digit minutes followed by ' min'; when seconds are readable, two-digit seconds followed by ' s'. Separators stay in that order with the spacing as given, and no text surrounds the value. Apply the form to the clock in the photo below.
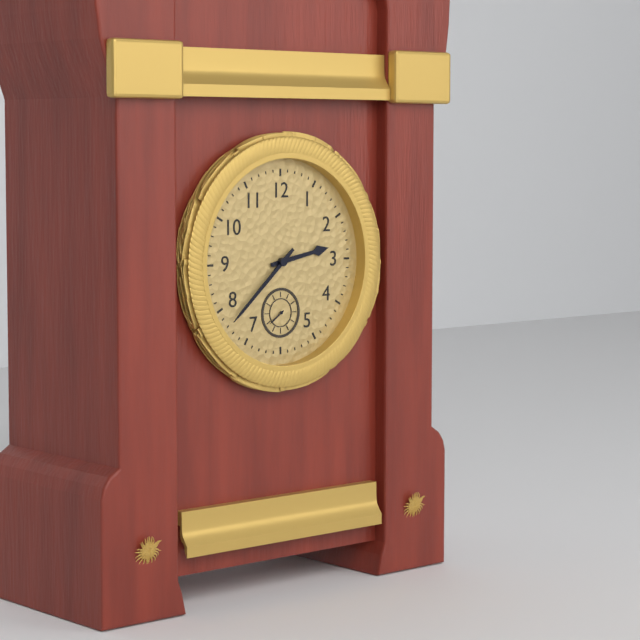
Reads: 2 h 38 min
